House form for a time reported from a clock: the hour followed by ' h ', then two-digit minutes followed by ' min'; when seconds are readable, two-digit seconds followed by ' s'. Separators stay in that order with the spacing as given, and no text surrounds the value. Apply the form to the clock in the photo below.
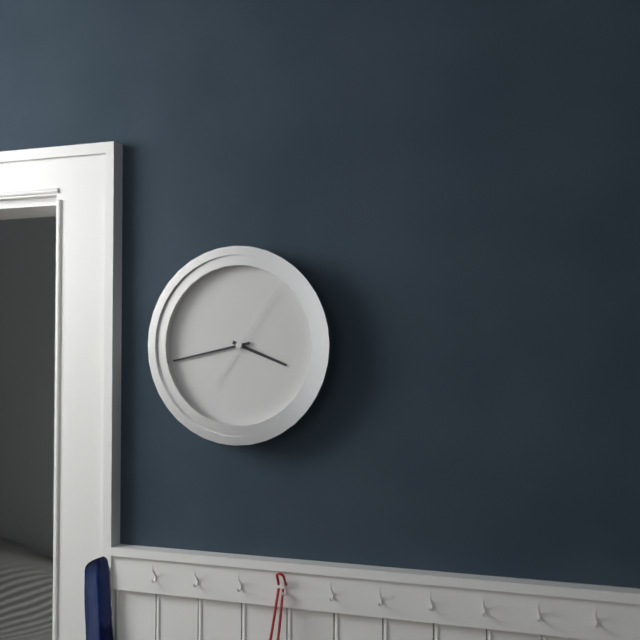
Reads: 3 h 43 min 06 s
